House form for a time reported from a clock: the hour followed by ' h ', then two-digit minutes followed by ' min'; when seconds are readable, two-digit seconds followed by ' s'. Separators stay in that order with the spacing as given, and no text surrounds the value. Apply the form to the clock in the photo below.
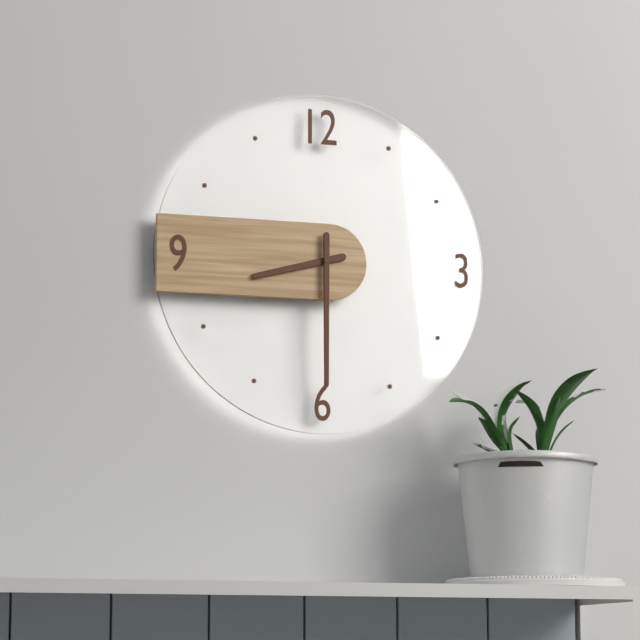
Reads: 8 h 30 min
